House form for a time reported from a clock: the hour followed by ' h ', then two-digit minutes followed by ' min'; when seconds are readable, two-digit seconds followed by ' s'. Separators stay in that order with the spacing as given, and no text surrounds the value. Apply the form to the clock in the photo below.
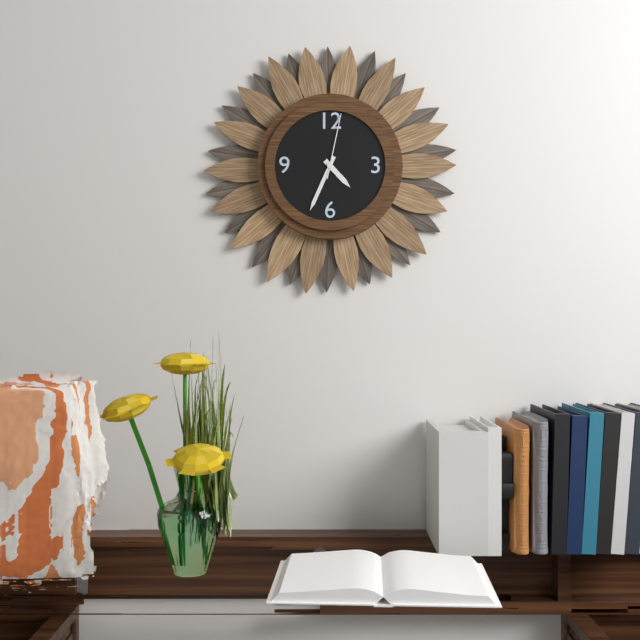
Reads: 4 h 34 min 02 s
